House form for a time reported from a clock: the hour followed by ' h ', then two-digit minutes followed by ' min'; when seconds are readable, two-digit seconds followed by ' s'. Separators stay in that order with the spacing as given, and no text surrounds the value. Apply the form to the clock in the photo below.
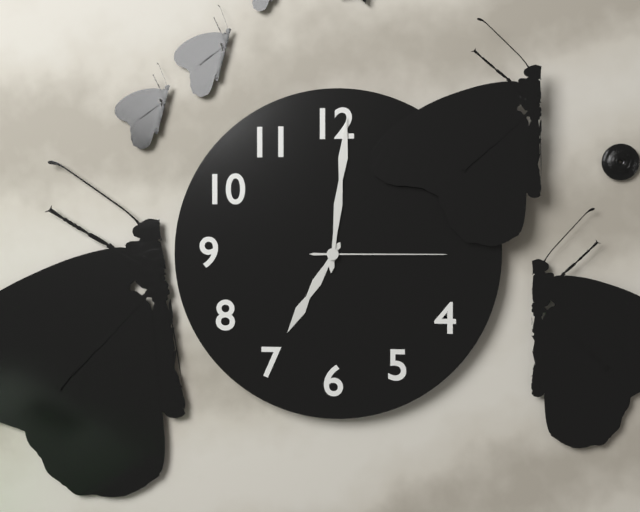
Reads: 7 h 01 min 15 s
